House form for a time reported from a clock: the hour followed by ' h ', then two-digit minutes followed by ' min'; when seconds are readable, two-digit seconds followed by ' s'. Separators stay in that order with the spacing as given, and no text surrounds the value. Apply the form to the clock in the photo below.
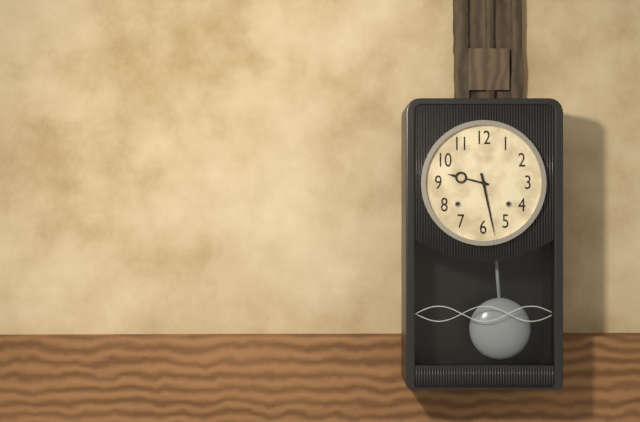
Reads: 9 h 28 min
